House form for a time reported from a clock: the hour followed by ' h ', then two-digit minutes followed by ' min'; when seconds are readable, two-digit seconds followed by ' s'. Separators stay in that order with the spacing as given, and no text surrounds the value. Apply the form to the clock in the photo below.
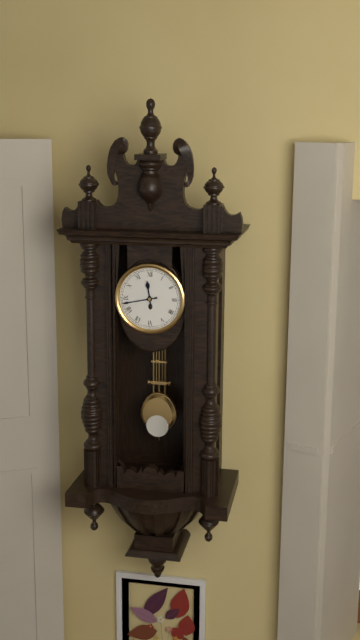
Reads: 11 h 43 min
